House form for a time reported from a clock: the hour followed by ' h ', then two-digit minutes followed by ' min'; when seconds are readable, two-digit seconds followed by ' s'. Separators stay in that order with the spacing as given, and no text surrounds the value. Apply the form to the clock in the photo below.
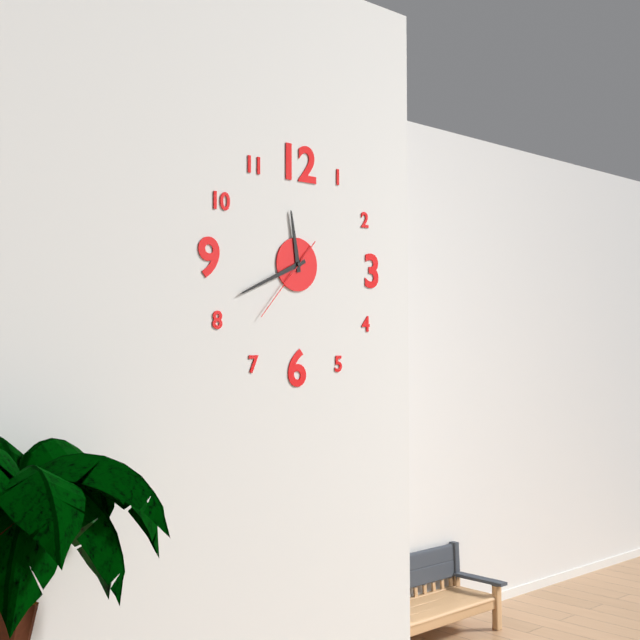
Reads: 11 h 41 min 37 s
